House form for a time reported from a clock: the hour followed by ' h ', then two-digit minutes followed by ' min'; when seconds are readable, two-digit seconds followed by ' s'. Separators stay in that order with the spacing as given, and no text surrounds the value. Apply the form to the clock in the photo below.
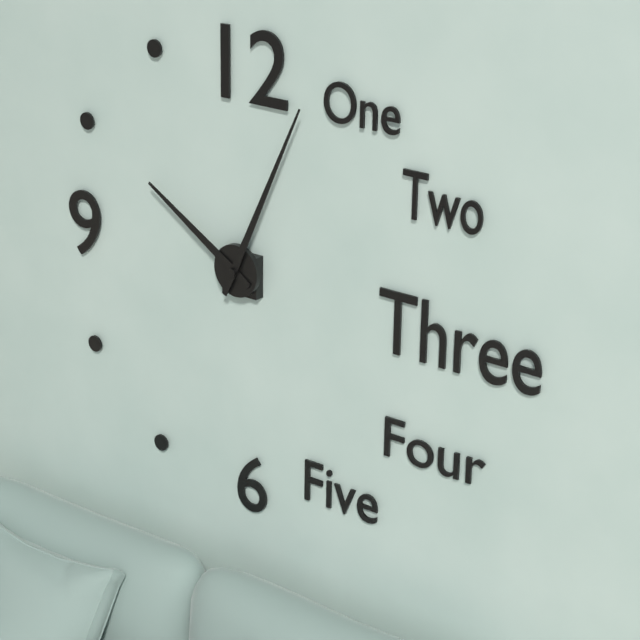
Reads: 10 h 04 min
